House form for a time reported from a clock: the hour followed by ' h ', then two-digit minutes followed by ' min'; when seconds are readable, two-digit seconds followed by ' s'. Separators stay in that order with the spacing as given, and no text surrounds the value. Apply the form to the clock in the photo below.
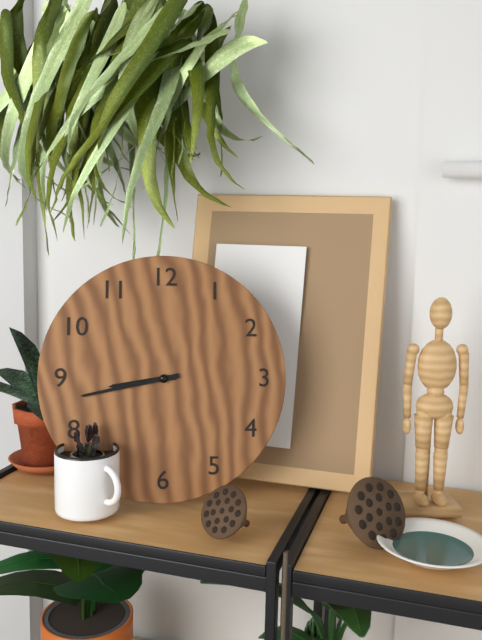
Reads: 8 h 43 min
